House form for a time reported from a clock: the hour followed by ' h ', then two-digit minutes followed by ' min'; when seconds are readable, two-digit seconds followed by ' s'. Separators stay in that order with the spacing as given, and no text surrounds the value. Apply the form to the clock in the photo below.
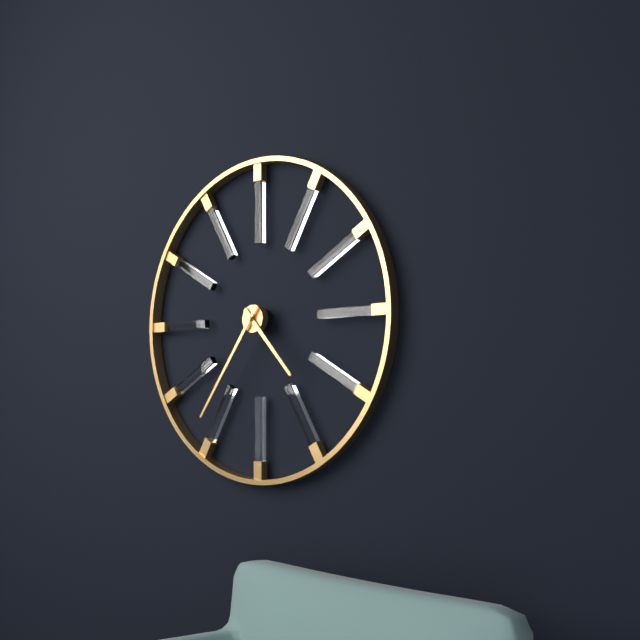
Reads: 4 h 36 min
